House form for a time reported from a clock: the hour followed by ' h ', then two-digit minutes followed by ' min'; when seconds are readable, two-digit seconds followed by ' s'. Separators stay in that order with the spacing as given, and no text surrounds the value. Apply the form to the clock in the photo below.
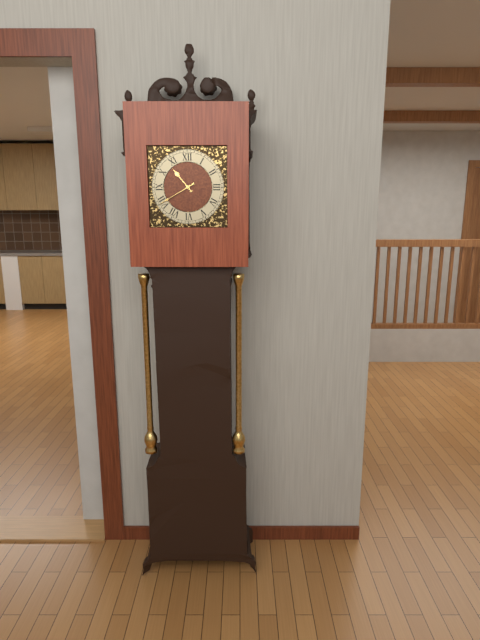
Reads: 10 h 40 min
